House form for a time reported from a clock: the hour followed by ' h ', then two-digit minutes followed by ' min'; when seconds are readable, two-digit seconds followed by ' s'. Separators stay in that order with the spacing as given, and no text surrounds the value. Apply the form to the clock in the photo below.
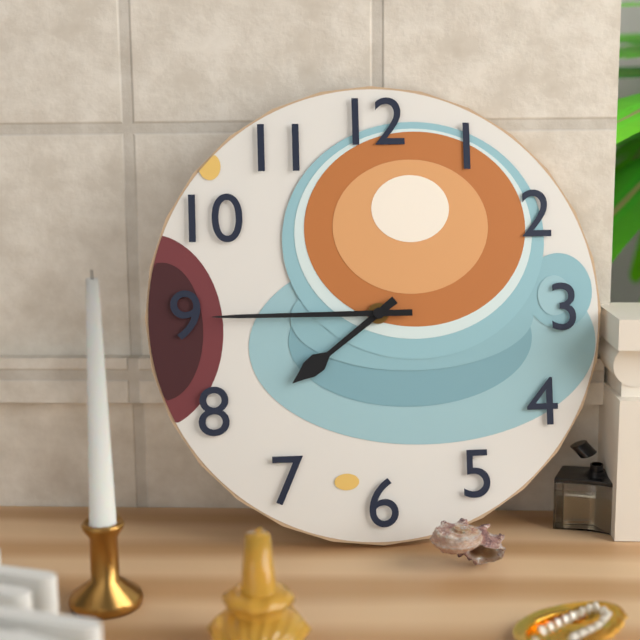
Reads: 7 h 45 min
